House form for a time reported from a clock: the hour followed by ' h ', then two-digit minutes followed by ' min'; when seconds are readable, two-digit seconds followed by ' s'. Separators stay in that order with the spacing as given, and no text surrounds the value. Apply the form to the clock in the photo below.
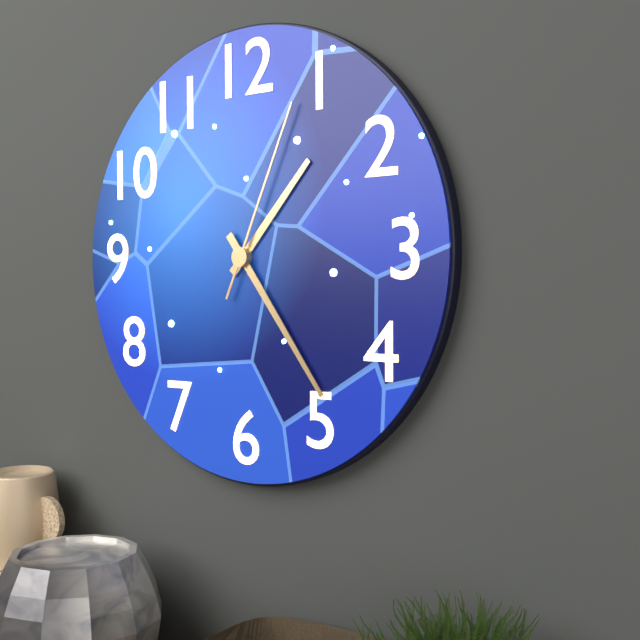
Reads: 1 h 24 min 04 s
